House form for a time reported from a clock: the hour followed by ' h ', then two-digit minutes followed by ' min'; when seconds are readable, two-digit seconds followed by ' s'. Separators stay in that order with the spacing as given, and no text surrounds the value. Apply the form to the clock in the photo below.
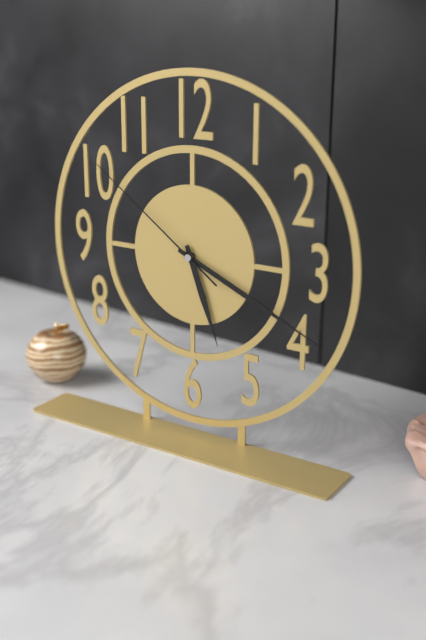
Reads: 5 h 19 min 51 s
